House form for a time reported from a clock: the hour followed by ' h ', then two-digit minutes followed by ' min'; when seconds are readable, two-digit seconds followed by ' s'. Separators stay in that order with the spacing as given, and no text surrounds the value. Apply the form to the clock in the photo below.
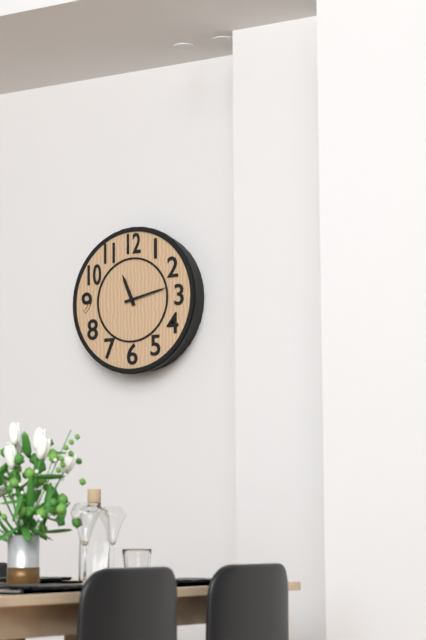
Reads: 11 h 13 min
